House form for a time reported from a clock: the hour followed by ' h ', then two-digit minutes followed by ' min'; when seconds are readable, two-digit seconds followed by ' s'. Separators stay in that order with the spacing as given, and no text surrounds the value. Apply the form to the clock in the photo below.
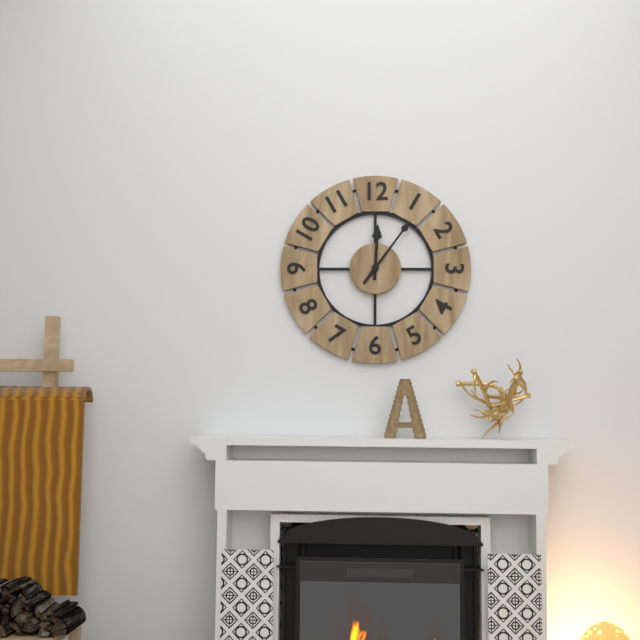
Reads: 12 h 06 min
